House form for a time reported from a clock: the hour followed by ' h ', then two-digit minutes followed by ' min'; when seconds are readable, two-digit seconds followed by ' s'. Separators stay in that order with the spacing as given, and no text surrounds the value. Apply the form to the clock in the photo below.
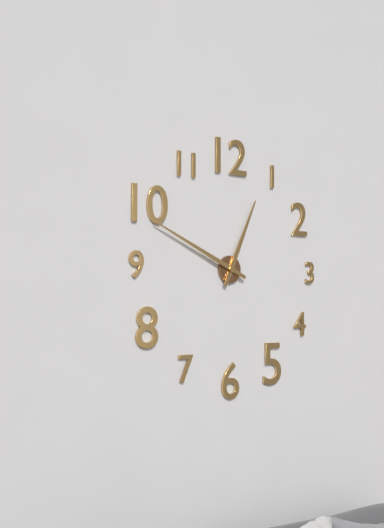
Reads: 12 h 49 min
